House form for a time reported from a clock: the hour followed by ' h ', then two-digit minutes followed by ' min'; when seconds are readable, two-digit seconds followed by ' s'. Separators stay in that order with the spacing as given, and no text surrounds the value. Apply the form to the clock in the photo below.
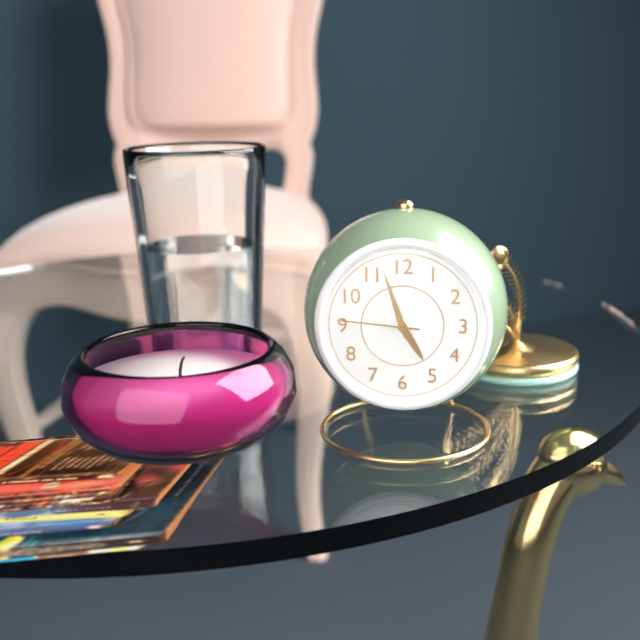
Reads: 4 h 57 min 46 s
